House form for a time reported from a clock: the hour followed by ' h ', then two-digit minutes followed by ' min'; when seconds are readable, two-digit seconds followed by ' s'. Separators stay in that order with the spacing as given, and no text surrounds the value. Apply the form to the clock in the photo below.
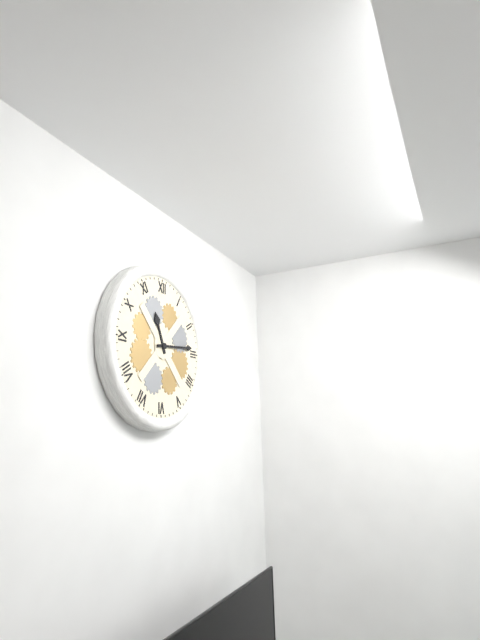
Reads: 11 h 14 min
